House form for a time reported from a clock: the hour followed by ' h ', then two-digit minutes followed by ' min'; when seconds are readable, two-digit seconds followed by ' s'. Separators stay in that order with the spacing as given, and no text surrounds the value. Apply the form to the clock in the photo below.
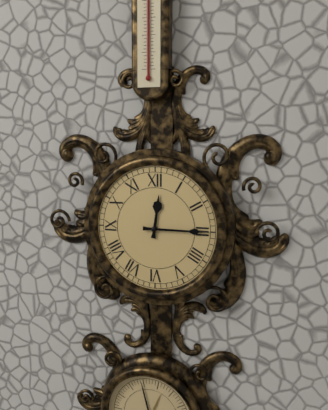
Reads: 12 h 15 min
